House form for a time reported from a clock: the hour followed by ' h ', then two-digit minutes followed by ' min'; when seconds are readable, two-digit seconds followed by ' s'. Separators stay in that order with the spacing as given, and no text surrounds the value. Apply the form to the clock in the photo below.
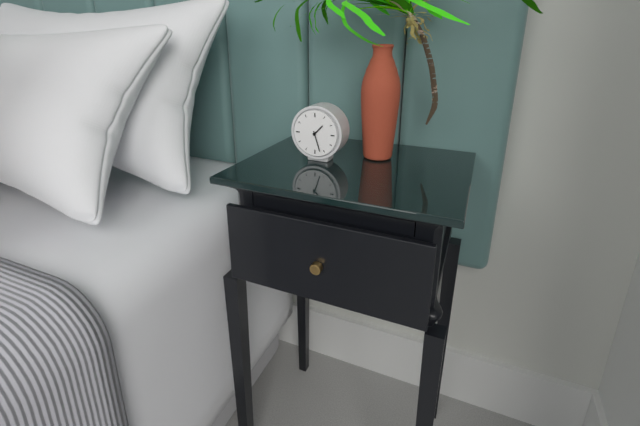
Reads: 1 h 27 min
